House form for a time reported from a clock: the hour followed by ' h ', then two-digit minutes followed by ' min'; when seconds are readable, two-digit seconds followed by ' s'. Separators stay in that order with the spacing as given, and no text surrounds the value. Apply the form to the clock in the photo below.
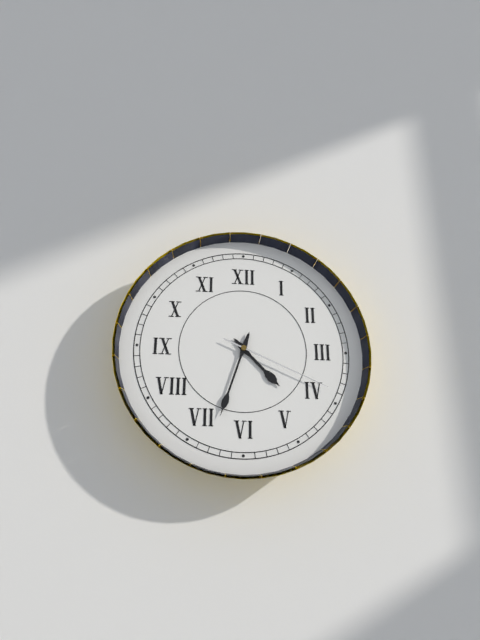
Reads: 4 h 33 min 19 s
